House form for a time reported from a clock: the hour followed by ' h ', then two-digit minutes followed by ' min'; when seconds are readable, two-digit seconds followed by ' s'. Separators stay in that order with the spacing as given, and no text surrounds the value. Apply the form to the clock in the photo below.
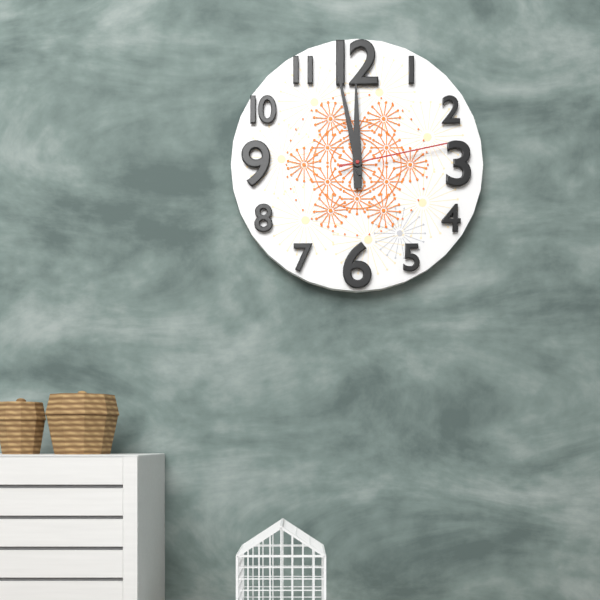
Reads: 11 h 58 min 13 s
